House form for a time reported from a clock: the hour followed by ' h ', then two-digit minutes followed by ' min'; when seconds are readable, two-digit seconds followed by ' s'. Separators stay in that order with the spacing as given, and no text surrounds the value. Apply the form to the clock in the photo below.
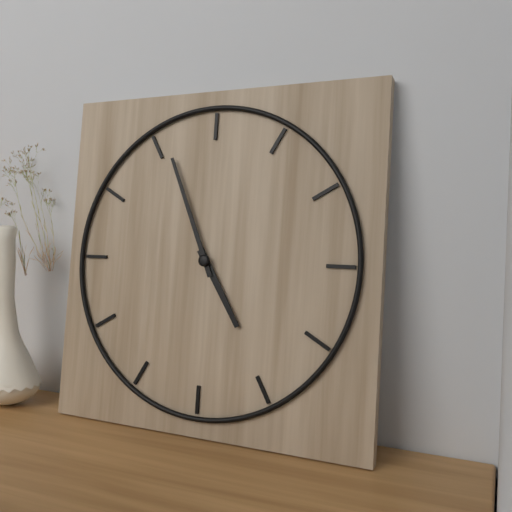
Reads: 4 h 56 min
